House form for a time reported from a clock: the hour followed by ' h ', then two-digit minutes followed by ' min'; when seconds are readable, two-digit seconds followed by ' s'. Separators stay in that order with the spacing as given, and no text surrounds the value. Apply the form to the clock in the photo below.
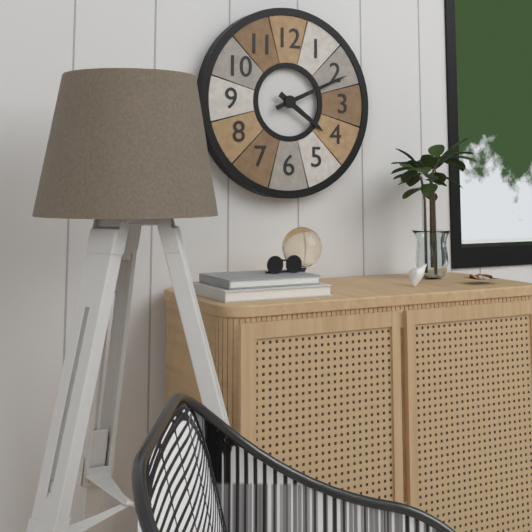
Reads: 4 h 11 min
